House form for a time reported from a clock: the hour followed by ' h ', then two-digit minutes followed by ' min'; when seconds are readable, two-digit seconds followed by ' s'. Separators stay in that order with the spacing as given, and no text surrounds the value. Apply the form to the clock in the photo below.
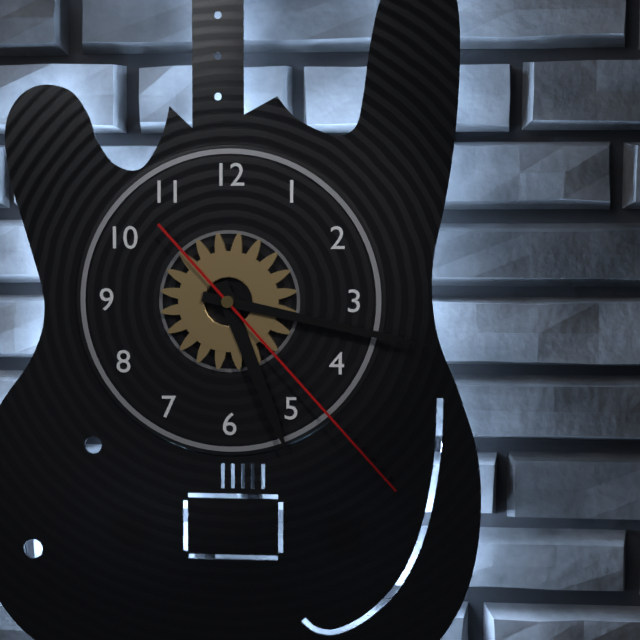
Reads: 5 h 17 min 23 s
